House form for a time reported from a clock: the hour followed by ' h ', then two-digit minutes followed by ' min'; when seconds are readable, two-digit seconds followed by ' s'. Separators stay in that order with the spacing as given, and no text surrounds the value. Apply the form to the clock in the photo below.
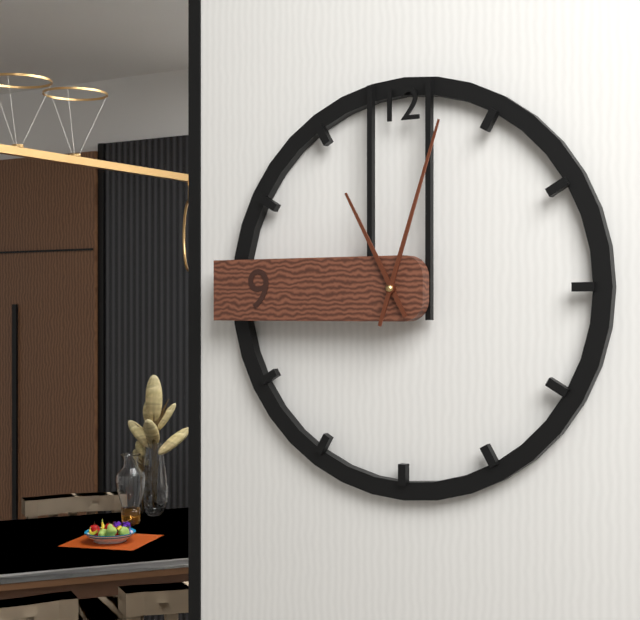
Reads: 11 h 03 min
